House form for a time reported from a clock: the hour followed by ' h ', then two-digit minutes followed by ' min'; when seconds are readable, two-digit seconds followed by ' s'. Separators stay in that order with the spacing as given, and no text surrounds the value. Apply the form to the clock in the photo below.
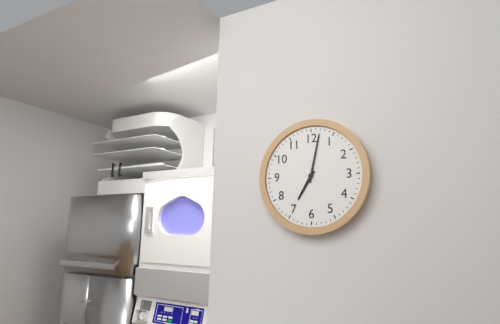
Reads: 7 h 02 min
